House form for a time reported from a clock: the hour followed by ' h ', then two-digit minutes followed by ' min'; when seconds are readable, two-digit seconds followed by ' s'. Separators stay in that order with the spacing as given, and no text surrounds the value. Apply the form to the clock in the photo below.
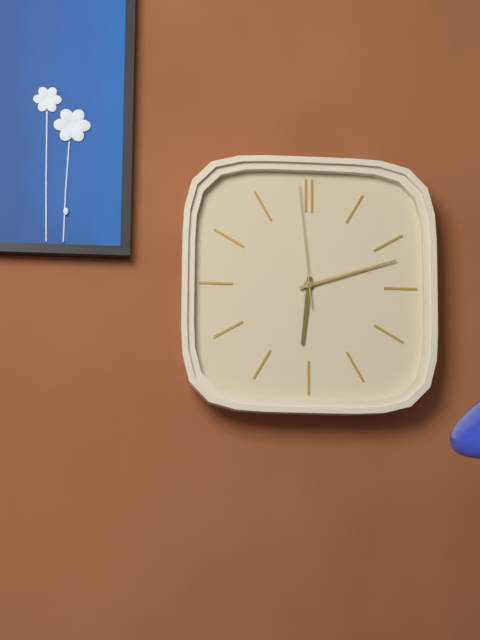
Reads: 6 h 12 min 59 s
